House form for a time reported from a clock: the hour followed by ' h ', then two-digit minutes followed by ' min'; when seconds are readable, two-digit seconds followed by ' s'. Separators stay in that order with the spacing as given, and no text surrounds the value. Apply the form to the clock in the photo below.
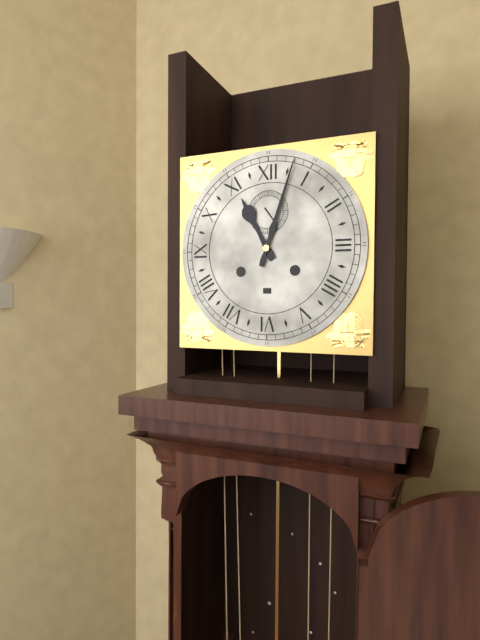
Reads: 11 h 03 min
